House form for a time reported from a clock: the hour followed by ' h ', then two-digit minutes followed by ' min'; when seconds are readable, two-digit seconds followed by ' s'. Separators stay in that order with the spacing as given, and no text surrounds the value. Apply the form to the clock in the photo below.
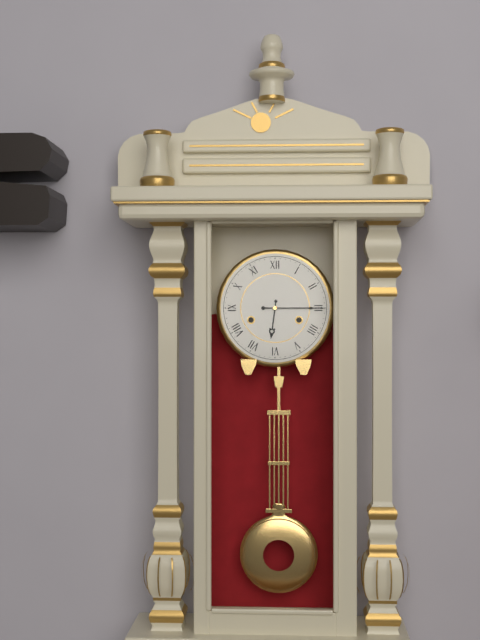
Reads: 6 h 15 min
